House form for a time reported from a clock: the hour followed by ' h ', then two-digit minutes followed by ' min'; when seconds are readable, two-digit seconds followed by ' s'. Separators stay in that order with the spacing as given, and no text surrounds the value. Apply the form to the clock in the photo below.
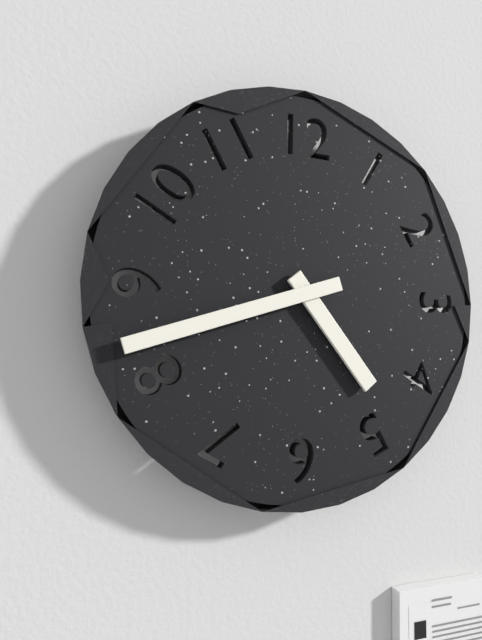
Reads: 4 h 42 min
